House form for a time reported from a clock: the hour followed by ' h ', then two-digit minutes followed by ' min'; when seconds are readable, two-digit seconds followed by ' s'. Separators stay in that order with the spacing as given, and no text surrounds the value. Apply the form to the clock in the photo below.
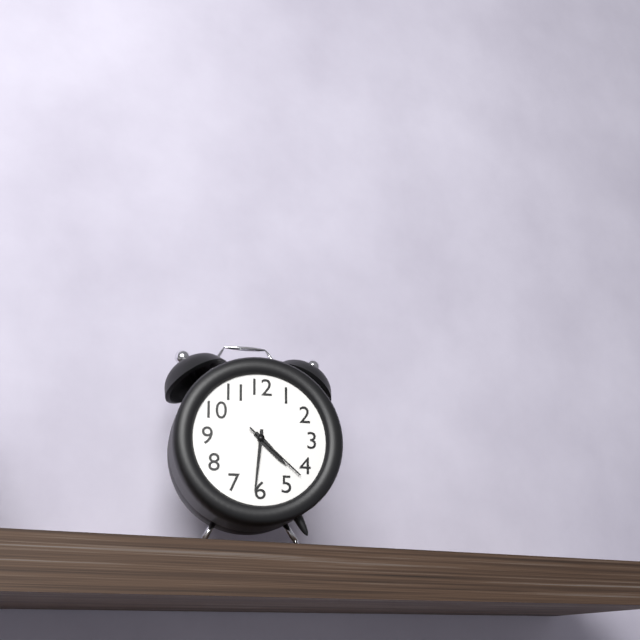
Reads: 4 h 31 min 22 s
